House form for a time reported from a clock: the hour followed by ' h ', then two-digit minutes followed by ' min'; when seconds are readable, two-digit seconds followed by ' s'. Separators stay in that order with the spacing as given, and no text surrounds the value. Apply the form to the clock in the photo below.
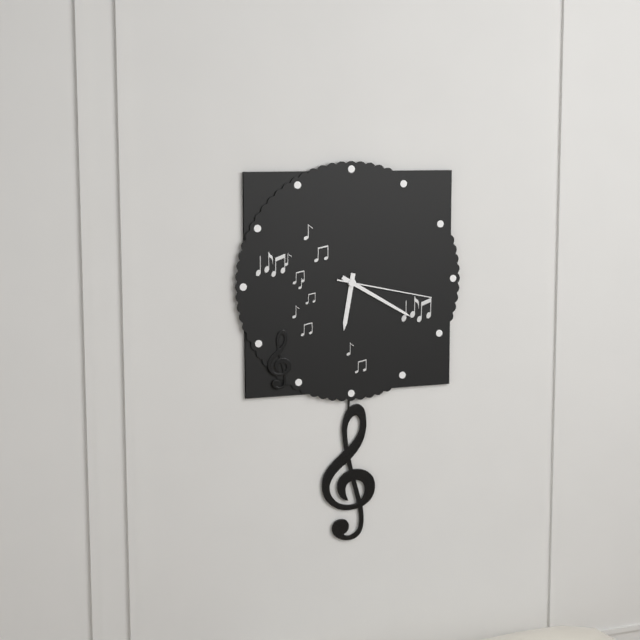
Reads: 6 h 20 min 17 s
